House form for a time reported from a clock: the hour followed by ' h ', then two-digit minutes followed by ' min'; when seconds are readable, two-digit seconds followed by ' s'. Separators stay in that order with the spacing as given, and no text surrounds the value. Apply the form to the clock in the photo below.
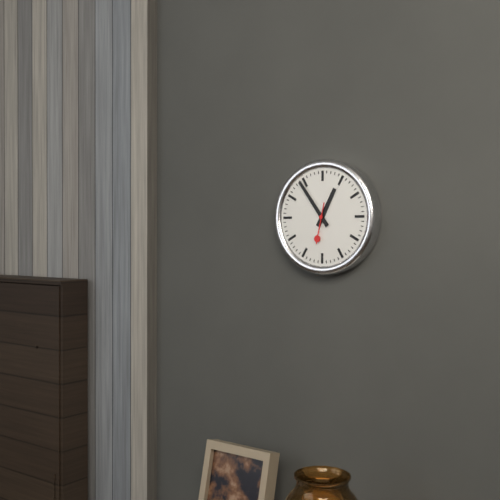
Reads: 12 h 54 min
